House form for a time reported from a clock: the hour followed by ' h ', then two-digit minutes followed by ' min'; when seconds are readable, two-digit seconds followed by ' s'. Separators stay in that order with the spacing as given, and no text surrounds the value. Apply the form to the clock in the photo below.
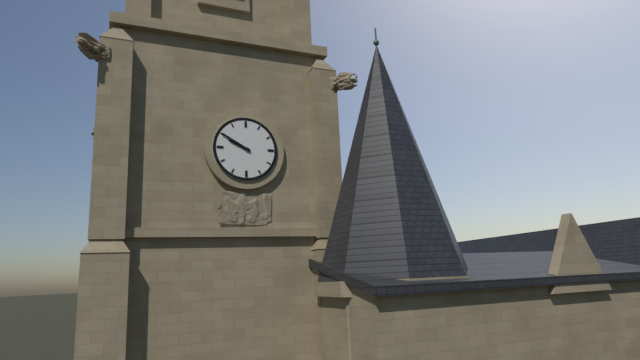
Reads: 9 h 50 min
